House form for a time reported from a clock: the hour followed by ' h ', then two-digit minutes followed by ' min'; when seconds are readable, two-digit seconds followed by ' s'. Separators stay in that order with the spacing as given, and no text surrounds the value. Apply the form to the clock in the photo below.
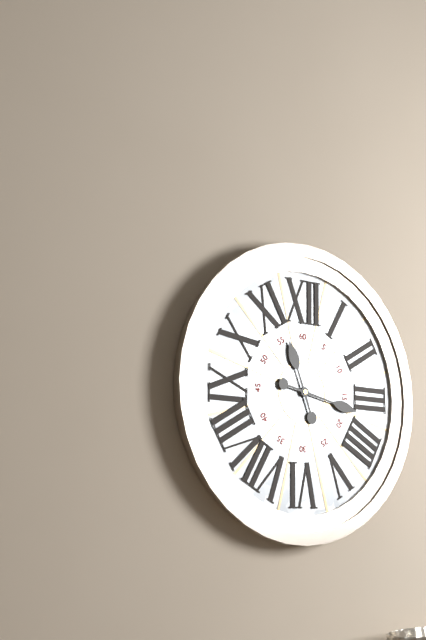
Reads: 11 h 17 min
